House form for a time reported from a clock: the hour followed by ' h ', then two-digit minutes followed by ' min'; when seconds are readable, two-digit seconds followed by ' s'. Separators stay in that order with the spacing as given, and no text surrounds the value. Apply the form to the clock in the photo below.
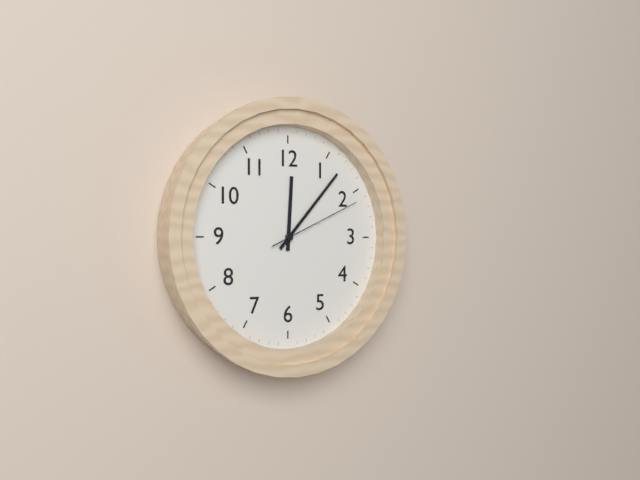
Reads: 12 h 07 min 11 s
